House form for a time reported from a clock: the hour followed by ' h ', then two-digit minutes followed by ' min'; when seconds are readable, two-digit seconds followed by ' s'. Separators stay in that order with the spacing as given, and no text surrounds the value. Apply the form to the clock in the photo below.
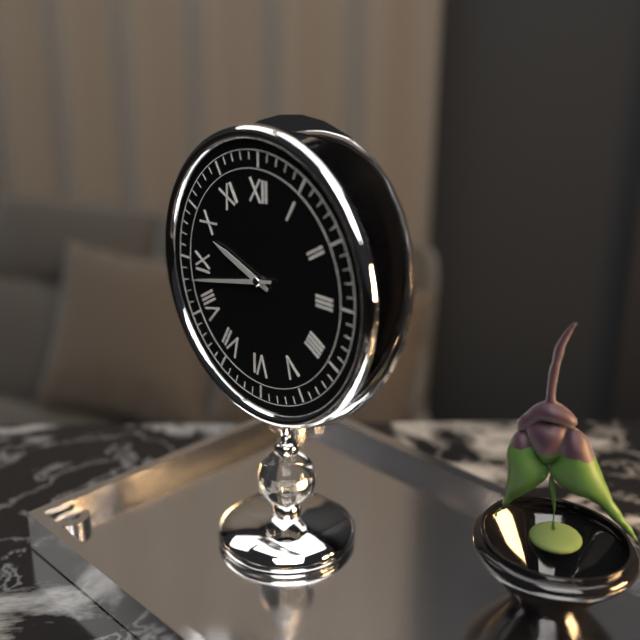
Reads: 9 h 43 min
